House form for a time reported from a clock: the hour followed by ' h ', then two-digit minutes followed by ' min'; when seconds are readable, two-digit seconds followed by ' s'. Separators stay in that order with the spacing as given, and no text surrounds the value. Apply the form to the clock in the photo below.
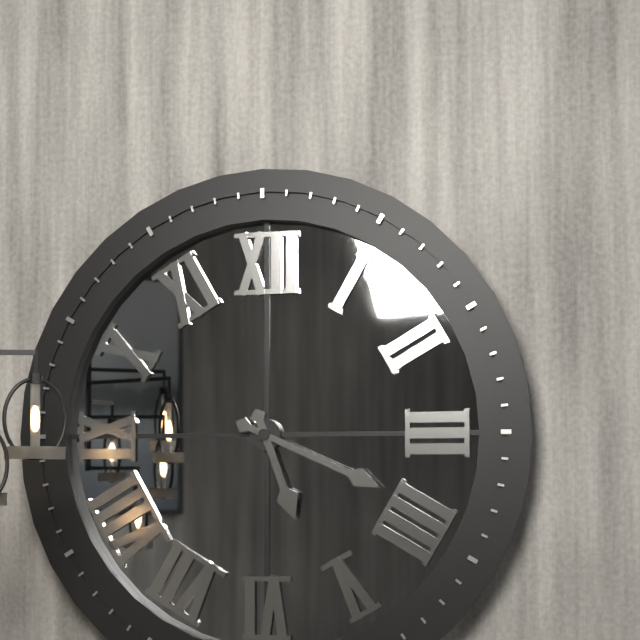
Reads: 5 h 19 min
